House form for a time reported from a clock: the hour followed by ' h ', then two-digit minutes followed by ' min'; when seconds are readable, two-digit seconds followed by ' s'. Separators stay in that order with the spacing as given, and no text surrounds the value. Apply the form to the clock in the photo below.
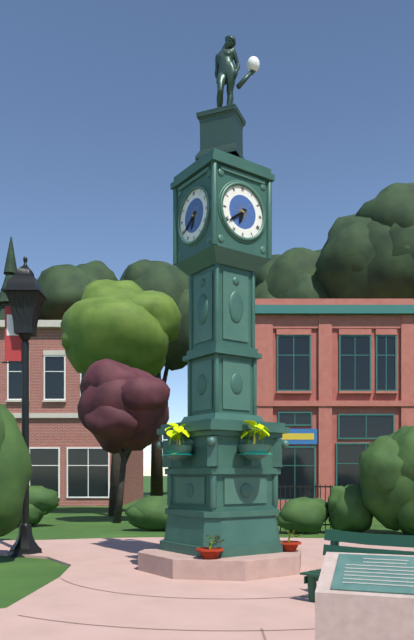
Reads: 6 h 39 min
